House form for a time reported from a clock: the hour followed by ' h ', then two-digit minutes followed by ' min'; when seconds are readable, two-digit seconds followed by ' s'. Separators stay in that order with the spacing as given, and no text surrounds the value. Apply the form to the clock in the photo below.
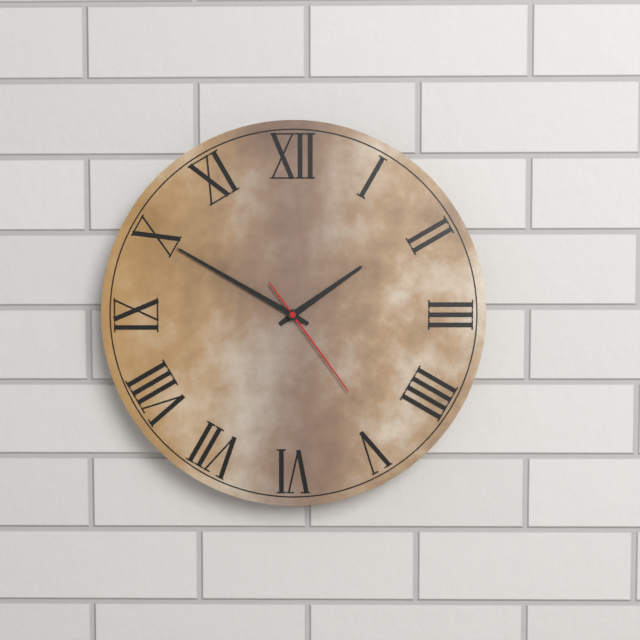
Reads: 1 h 50 min 24 s
